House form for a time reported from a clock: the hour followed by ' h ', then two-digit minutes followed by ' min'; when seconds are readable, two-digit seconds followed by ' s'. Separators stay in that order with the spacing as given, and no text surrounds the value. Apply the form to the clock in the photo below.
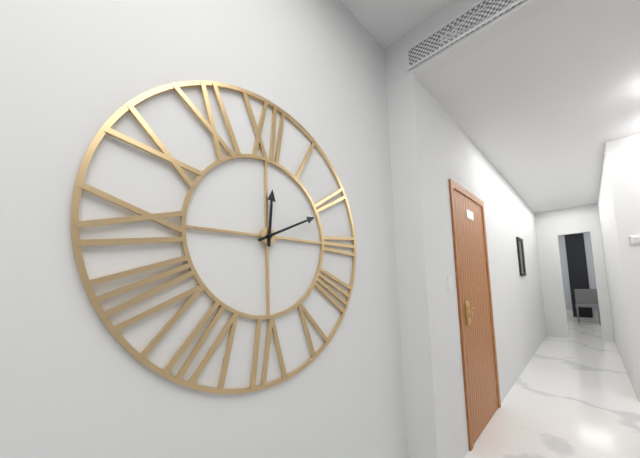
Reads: 12 h 11 min
